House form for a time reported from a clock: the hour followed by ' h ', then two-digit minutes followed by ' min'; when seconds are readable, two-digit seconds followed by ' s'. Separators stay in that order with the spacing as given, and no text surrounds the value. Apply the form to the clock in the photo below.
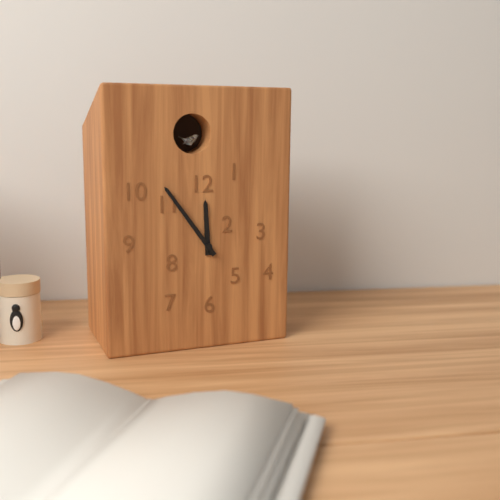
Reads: 11 h 54 min
